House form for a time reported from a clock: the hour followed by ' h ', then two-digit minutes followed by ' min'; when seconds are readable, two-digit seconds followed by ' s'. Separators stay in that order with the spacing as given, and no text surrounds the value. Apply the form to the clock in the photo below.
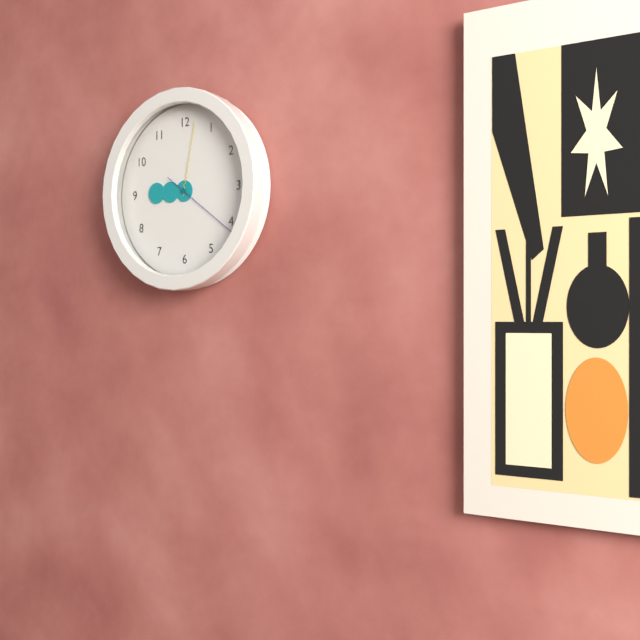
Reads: 9 h 02 min 21 s
